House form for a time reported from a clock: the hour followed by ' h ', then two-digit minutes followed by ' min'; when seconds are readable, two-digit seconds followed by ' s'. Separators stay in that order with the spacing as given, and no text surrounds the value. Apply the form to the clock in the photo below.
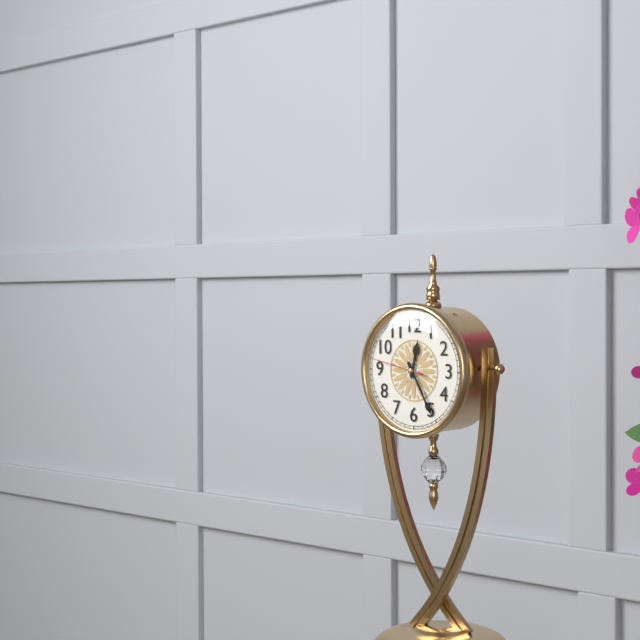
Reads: 12 h 25 min 47 s
